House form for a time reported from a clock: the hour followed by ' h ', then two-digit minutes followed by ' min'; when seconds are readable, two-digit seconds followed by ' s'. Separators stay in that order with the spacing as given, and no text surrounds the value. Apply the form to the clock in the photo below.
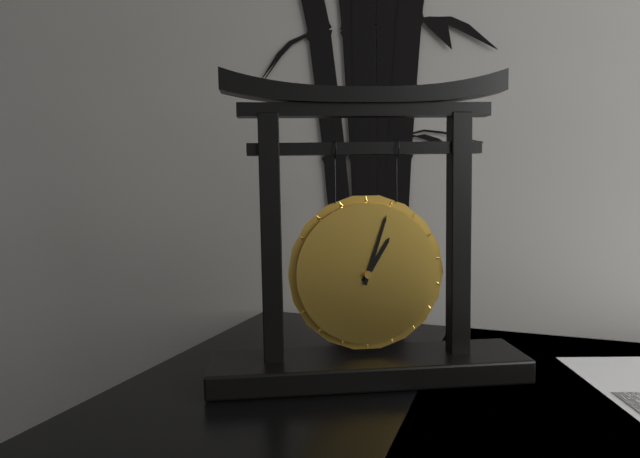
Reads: 1 h 03 min
